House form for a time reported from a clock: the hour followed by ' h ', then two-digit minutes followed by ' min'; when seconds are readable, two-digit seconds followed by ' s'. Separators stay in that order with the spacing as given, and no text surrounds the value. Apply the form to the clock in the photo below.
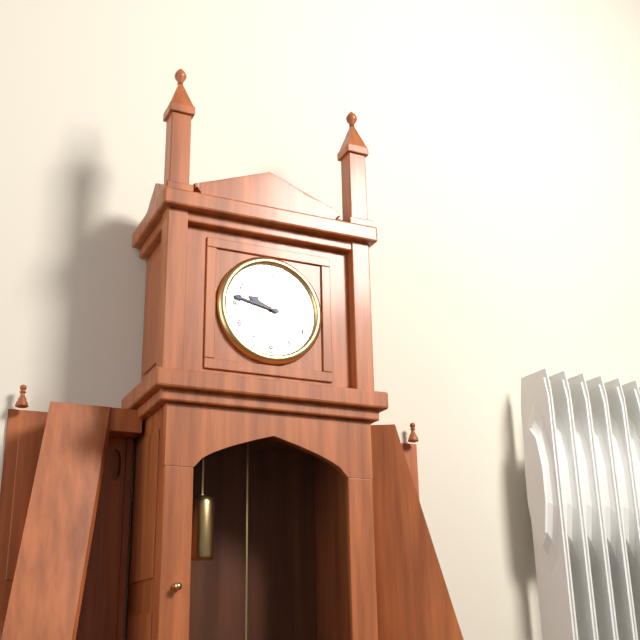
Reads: 9 h 47 min
